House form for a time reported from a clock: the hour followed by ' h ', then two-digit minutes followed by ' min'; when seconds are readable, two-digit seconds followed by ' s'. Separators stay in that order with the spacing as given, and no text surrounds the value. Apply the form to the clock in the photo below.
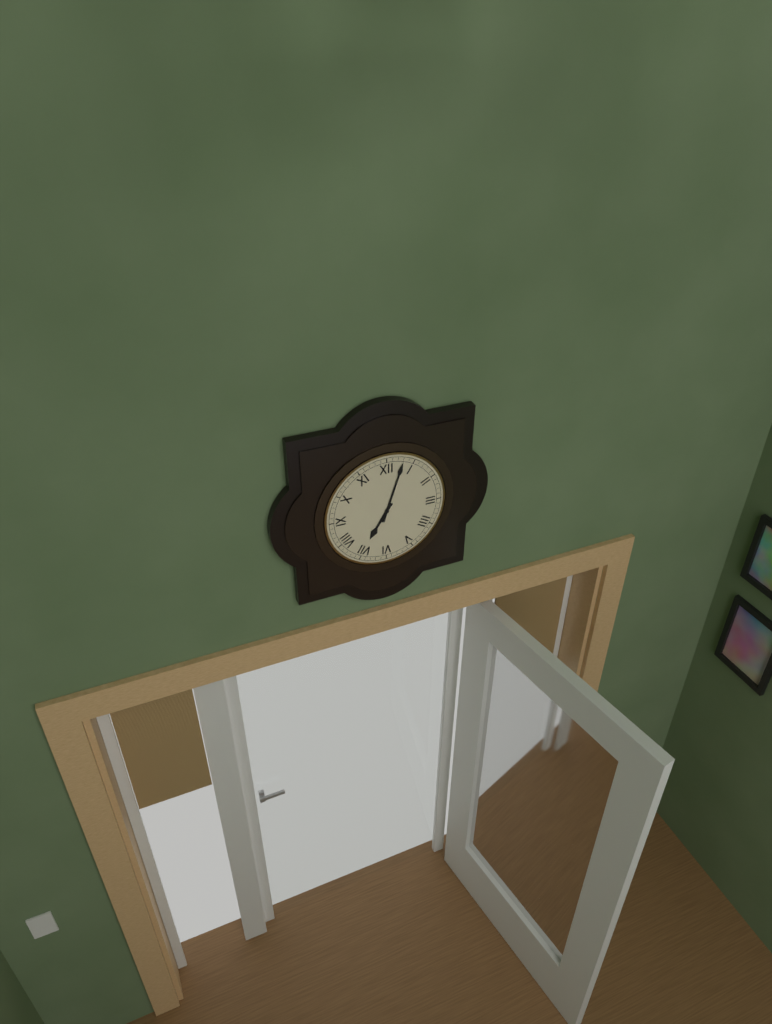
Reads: 7 h 03 min
